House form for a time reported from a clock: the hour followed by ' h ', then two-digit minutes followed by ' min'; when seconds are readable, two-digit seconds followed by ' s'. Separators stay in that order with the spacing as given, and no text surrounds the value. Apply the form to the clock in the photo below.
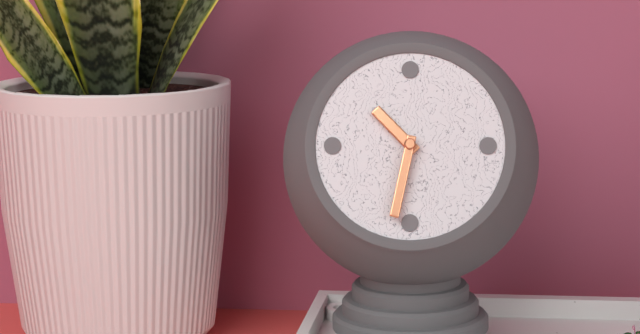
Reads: 10 h 32 min
